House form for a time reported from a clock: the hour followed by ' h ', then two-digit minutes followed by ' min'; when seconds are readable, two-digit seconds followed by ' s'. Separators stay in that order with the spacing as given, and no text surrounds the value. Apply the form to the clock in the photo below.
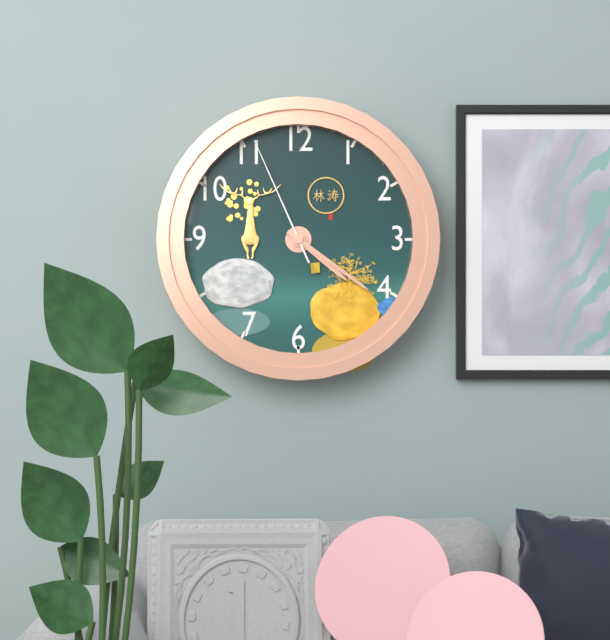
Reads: 4 h 21 min 56 s
